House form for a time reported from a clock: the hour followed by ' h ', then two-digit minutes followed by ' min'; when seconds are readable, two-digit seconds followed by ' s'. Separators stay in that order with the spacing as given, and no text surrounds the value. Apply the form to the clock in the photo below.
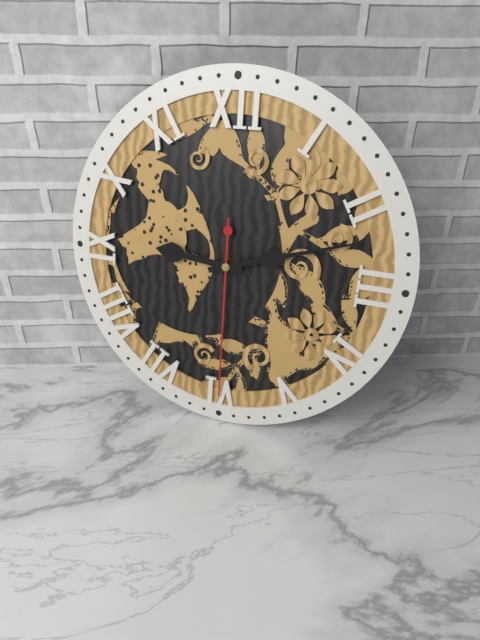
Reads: 9 h 12 min 30 s
